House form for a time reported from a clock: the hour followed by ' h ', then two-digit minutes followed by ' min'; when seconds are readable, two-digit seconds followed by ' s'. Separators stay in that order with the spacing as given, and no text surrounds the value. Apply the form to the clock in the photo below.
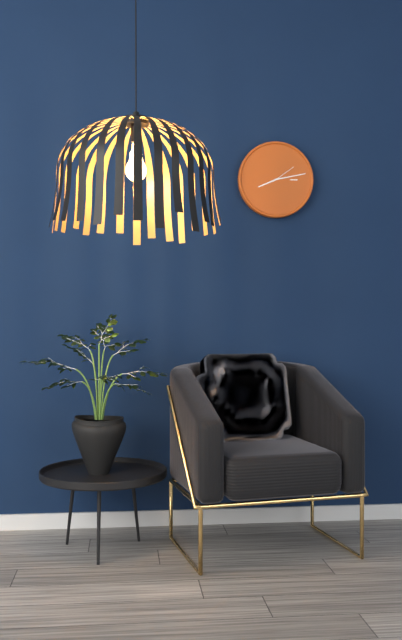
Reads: 8 h 13 min
